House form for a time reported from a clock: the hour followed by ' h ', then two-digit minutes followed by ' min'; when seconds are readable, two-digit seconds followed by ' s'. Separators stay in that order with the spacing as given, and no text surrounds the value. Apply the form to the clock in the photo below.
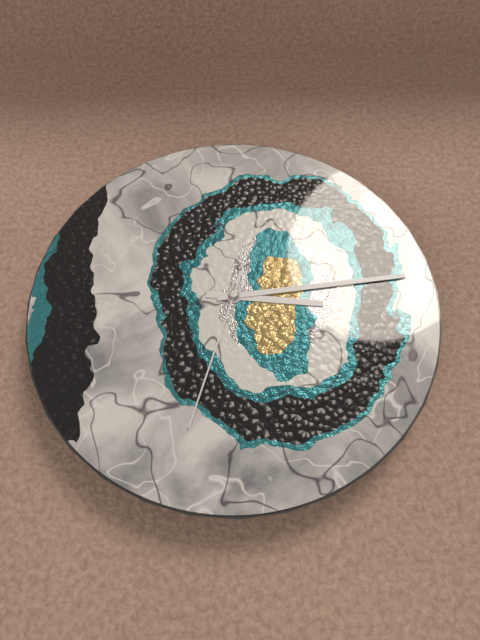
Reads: 3 h 14 min 33 s
